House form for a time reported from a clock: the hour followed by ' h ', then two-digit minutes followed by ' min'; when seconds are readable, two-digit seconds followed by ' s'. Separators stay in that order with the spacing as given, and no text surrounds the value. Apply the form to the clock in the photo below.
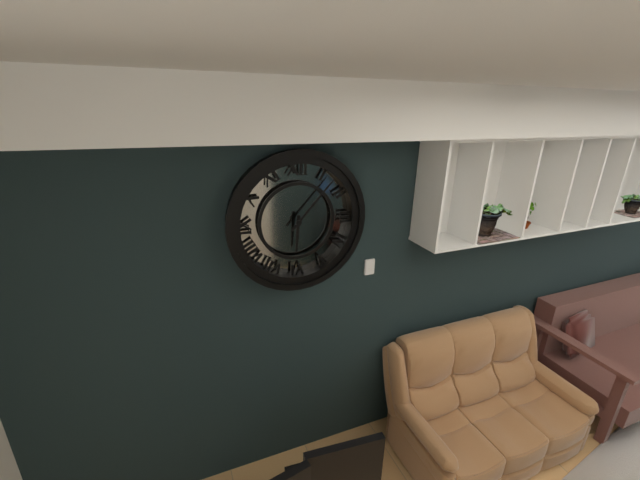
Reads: 6 h 07 min
